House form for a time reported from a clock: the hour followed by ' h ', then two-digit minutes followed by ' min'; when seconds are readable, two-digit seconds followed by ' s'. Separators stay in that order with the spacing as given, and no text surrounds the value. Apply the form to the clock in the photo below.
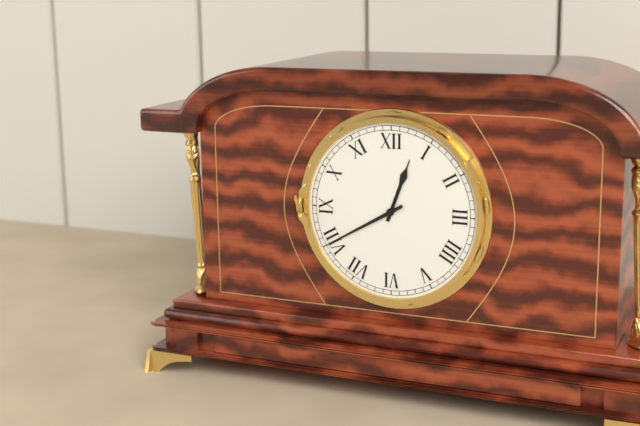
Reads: 12 h 40 min
